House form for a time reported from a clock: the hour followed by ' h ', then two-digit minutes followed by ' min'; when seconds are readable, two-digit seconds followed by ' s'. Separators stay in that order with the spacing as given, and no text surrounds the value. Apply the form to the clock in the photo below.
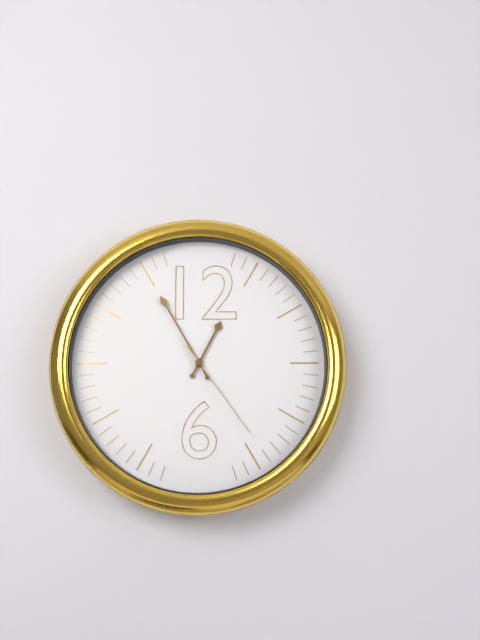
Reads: 12 h 55 min 24 s
